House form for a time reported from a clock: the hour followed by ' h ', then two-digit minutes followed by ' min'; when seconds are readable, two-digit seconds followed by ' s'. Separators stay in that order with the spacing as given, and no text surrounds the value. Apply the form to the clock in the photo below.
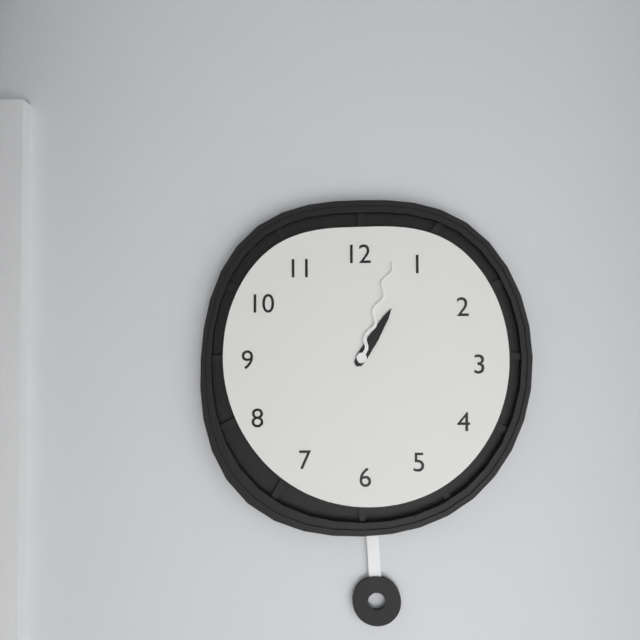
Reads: 1 h 03 min
